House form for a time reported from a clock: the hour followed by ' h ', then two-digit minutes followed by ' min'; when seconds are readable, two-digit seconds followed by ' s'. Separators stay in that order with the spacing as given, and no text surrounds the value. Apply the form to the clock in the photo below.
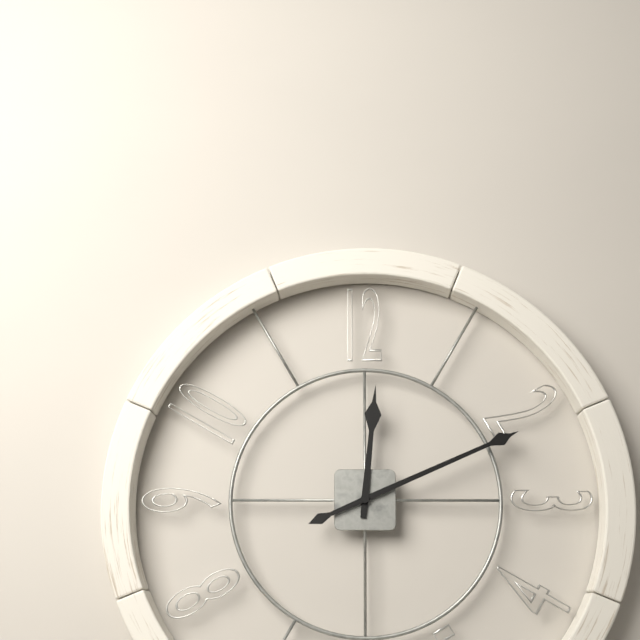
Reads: 12 h 11 min
